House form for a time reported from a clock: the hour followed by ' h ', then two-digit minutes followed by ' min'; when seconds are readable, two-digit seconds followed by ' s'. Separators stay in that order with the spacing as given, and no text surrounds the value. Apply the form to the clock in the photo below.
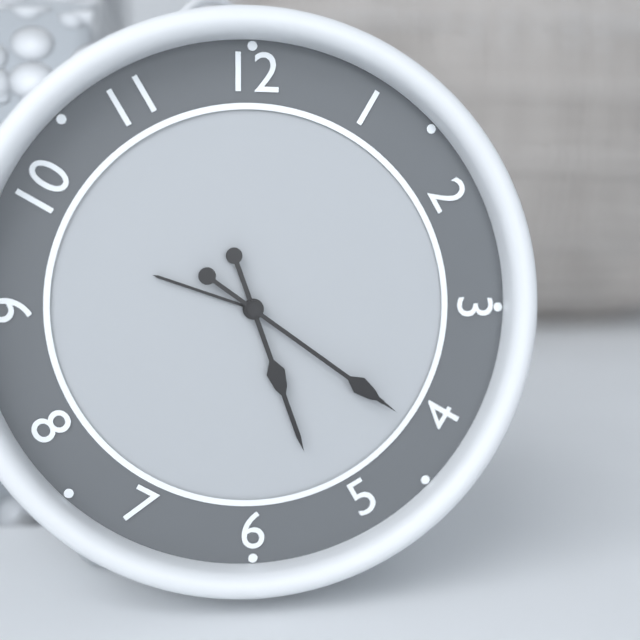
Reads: 5 h 21 min
